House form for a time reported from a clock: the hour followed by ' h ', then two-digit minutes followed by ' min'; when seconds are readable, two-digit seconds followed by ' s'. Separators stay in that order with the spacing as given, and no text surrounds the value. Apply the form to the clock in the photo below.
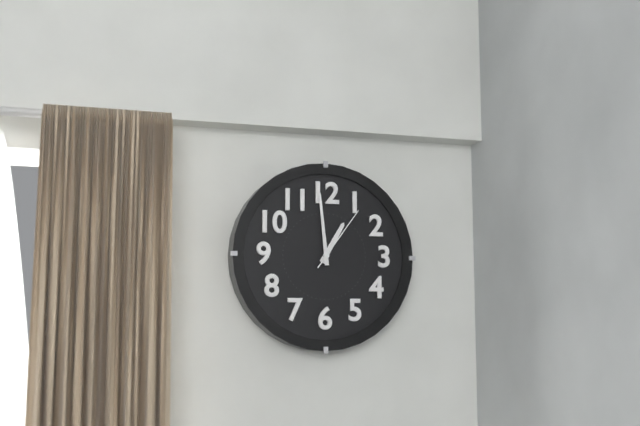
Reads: 12 h 59 min 06 s
